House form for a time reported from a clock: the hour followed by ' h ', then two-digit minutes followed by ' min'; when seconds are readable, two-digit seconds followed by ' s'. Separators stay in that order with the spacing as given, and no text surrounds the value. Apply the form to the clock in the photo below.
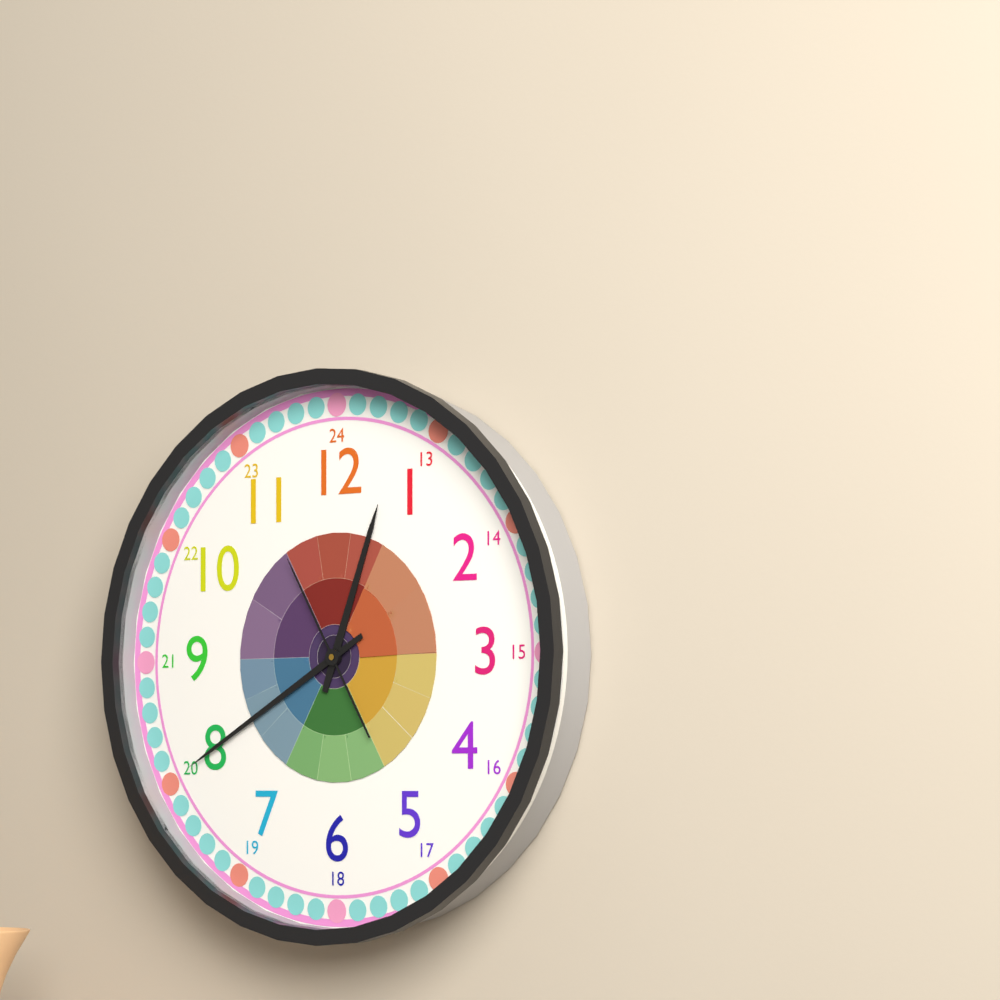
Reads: 12 h 40 min 55 s
